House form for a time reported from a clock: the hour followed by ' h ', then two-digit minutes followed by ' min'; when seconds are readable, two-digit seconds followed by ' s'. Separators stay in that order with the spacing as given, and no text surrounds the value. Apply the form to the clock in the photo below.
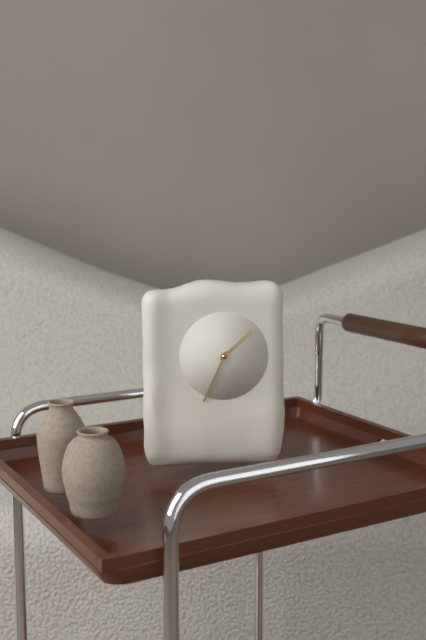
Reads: 1 h 34 min
